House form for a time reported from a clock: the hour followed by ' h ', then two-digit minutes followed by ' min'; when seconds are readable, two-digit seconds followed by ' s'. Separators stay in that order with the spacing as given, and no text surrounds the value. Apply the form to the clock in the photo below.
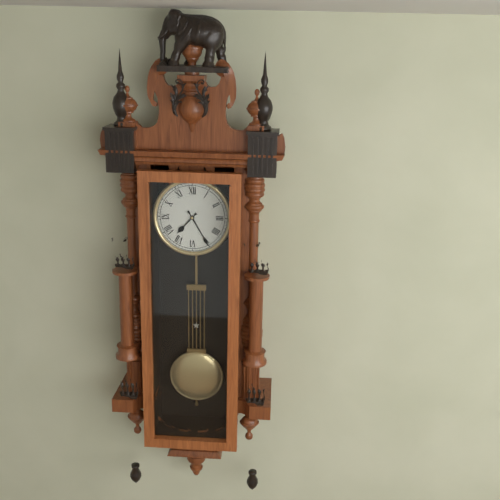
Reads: 7 h 25 min
